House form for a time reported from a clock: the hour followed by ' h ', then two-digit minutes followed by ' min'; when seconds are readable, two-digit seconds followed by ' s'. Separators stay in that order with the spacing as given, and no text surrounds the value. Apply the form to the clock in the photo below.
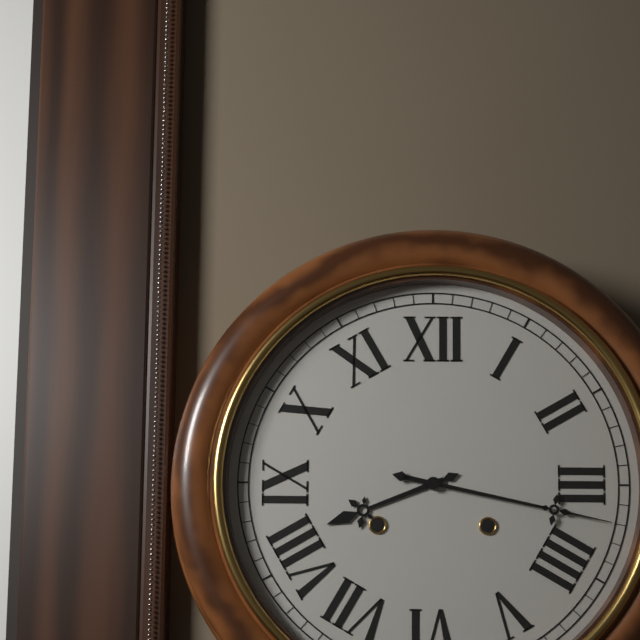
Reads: 8 h 17 min
